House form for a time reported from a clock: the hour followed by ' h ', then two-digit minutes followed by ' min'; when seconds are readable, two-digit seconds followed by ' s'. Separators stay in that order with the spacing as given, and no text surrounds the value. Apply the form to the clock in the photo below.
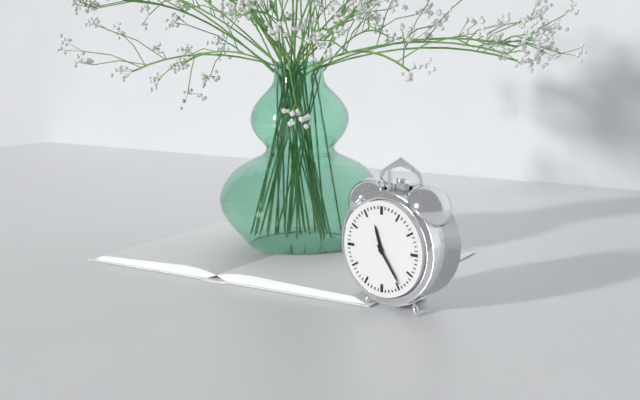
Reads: 11 h 24 min
